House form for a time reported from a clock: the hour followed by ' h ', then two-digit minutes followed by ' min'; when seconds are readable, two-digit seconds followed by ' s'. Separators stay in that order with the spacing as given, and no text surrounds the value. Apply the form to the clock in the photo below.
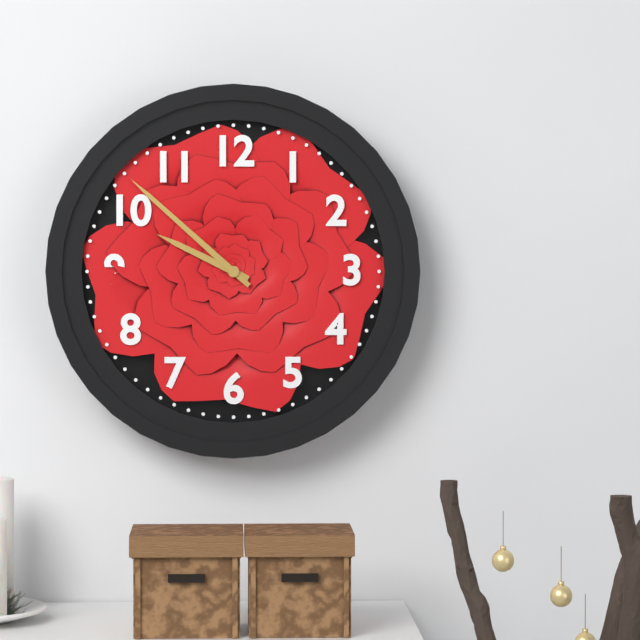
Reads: 9 h 52 min
